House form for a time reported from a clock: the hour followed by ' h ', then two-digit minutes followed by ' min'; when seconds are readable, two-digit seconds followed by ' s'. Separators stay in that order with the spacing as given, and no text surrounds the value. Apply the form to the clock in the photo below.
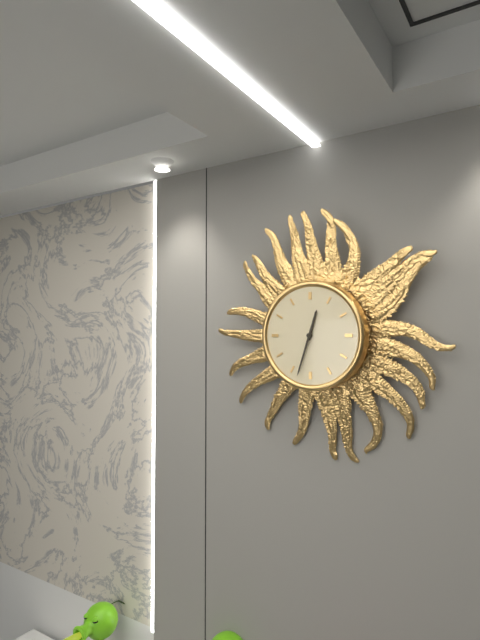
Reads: 12 h 33 min
